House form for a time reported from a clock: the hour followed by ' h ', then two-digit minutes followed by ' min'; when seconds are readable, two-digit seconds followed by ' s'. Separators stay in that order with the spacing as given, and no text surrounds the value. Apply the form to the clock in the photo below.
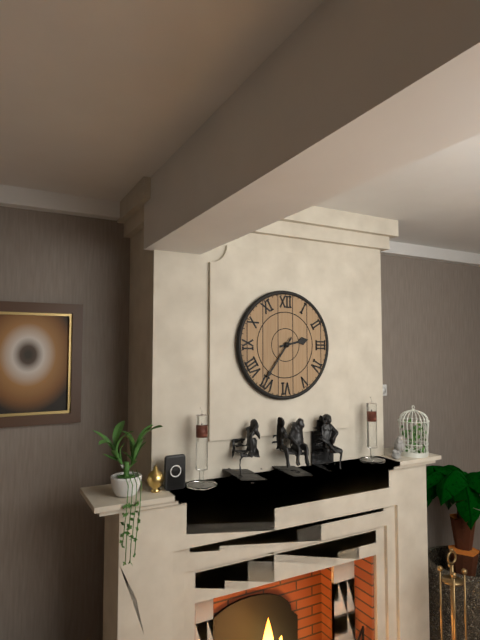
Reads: 2 h 36 min
